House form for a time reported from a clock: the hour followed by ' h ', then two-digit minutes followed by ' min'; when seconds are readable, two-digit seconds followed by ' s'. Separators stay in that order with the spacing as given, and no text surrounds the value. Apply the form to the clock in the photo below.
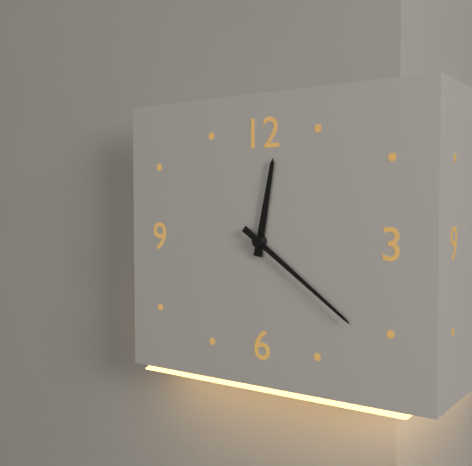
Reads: 12 h 21 min
